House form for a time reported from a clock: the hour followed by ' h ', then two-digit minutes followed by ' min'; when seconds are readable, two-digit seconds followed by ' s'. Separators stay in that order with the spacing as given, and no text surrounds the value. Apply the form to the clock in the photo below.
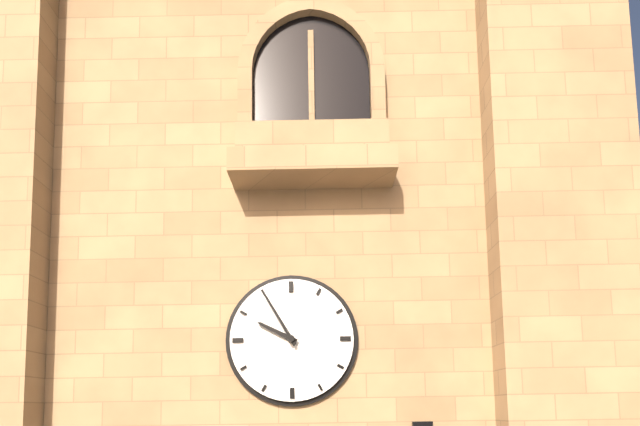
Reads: 9 h 55 min
